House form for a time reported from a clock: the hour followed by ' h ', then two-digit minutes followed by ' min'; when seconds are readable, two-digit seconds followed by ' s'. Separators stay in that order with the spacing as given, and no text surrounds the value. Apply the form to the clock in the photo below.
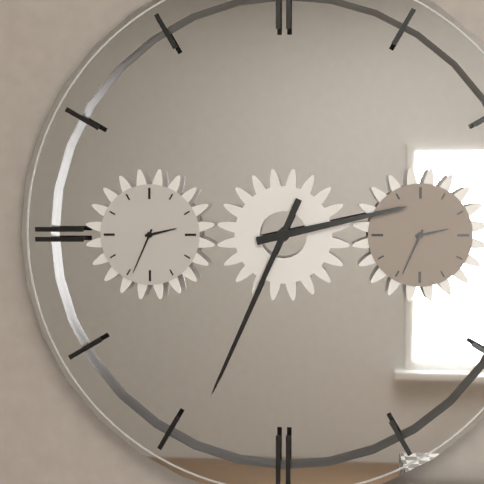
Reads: 2 h 34 min
